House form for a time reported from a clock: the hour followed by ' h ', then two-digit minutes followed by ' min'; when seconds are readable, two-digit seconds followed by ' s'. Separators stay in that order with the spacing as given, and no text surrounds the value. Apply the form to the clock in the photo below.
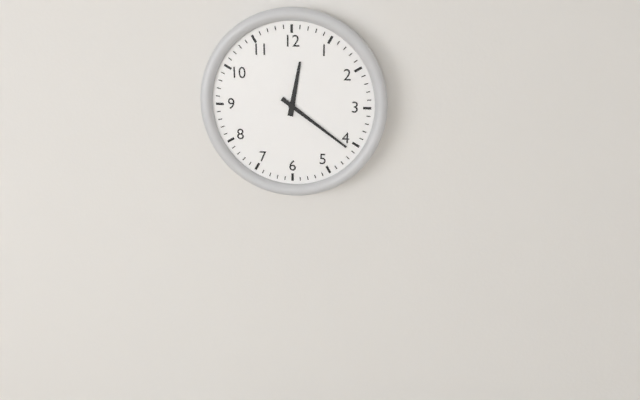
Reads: 12 h 21 min
